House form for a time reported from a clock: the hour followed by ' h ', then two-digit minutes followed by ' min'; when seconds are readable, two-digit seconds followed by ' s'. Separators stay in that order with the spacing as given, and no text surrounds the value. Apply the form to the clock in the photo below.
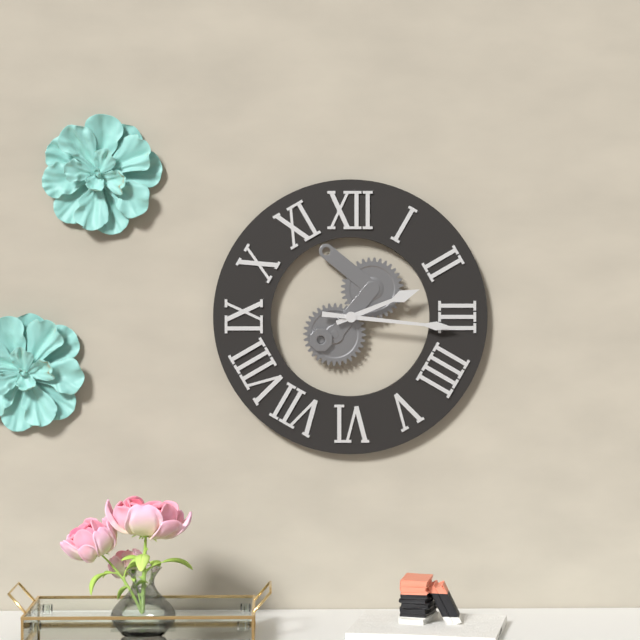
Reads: 2 h 16 min
